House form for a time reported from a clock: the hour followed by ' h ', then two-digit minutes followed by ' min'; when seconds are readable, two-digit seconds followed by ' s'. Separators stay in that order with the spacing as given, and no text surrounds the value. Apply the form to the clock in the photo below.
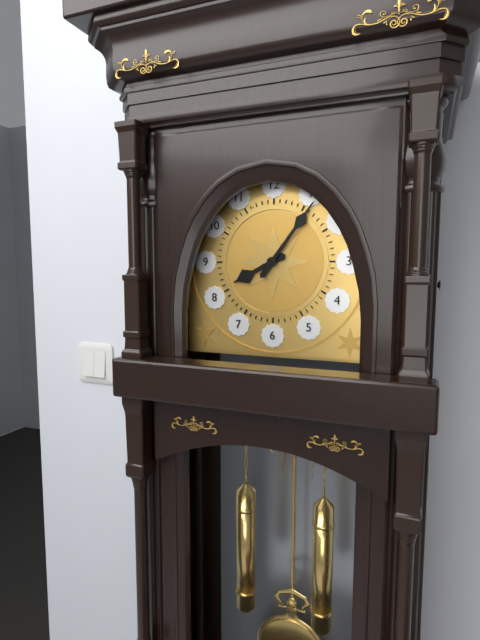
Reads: 8 h 06 min
